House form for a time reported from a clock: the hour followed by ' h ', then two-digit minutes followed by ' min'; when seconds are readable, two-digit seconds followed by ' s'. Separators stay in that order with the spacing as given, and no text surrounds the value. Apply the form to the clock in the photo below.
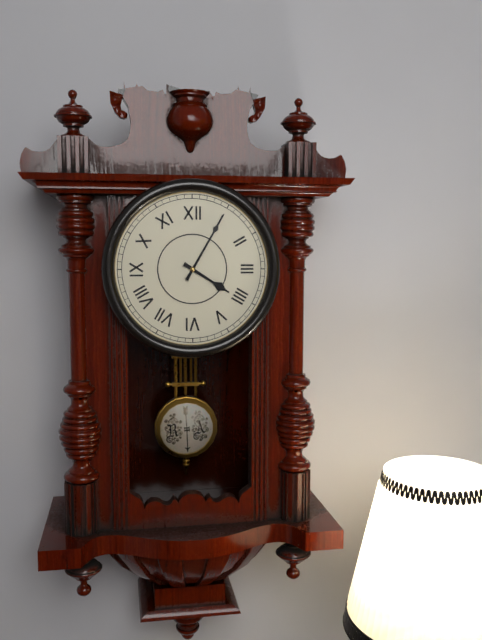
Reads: 4 h 05 min
